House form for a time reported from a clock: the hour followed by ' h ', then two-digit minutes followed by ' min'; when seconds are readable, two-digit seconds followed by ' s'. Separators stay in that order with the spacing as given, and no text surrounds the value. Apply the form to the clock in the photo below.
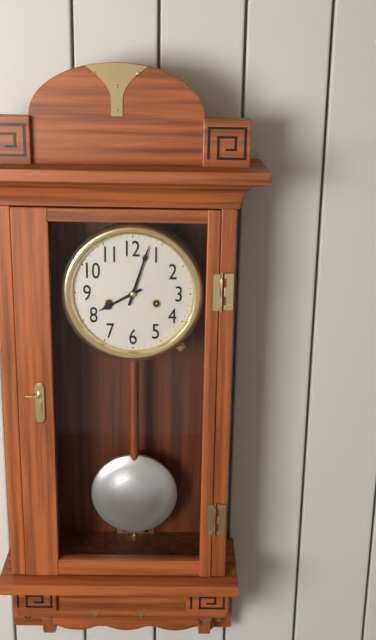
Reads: 8 h 03 min
